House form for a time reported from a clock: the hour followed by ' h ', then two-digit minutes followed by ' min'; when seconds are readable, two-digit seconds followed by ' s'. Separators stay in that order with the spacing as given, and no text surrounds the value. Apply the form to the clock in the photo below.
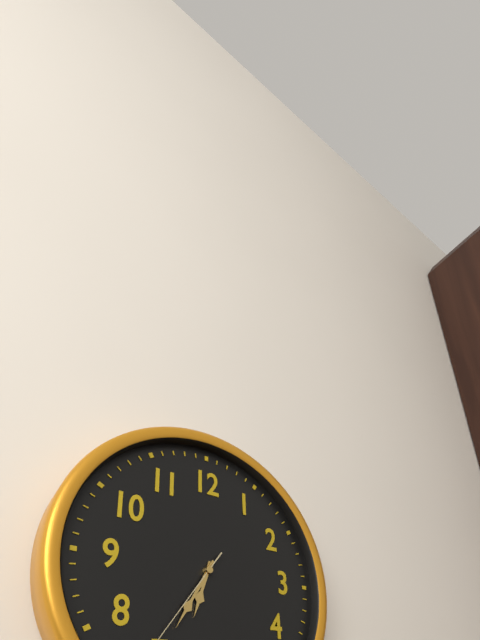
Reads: 6 h 35 min
